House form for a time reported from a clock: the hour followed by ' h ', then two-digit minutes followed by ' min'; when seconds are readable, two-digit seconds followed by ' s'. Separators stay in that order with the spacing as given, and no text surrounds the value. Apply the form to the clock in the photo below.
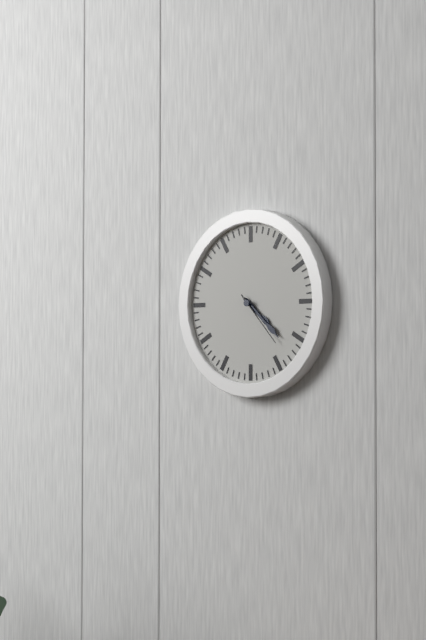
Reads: 4 h 22 min 23 s
